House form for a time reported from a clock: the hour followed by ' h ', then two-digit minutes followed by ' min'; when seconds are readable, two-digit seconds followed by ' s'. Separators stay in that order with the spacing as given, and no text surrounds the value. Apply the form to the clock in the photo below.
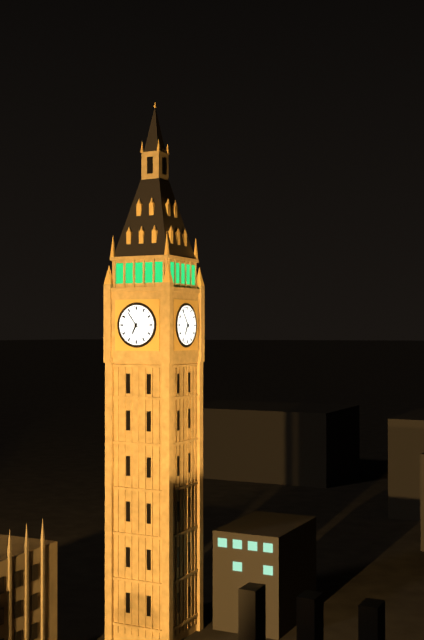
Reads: 6 h 54 min
